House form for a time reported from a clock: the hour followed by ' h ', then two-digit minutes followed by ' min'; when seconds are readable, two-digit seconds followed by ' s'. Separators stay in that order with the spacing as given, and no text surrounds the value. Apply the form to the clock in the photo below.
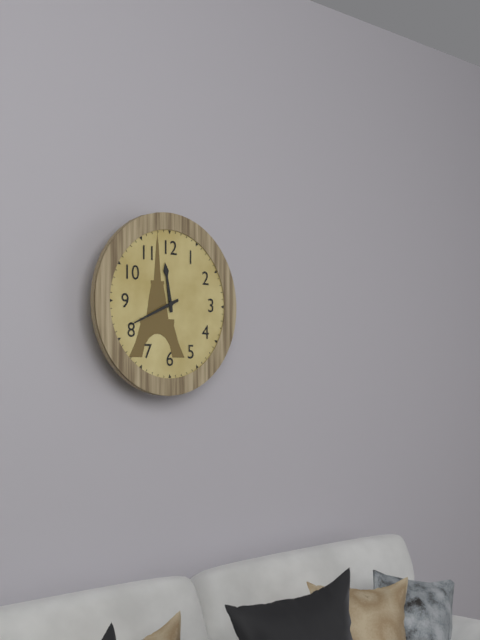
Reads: 11 h 41 min
